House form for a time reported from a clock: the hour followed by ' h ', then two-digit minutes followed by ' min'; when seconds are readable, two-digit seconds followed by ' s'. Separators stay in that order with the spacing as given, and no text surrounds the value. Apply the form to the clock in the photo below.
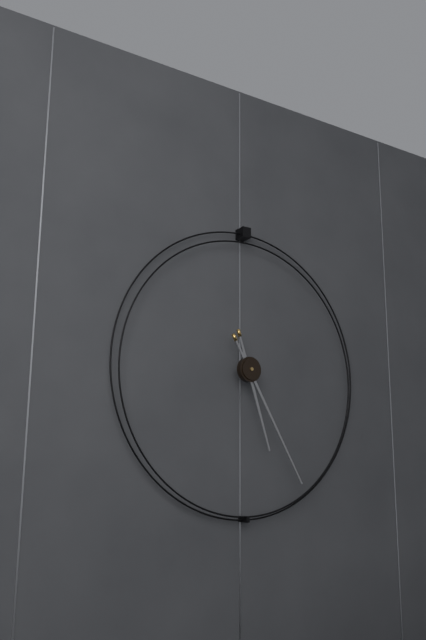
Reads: 5 h 25 min
